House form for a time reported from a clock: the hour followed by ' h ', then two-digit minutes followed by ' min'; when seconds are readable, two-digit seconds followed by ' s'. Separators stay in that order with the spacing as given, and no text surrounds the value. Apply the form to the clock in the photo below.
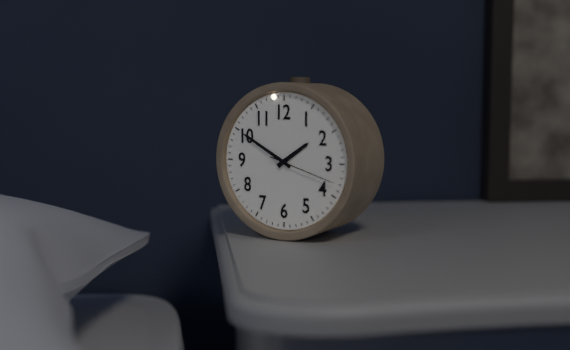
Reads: 1 h 50 min 18 s
